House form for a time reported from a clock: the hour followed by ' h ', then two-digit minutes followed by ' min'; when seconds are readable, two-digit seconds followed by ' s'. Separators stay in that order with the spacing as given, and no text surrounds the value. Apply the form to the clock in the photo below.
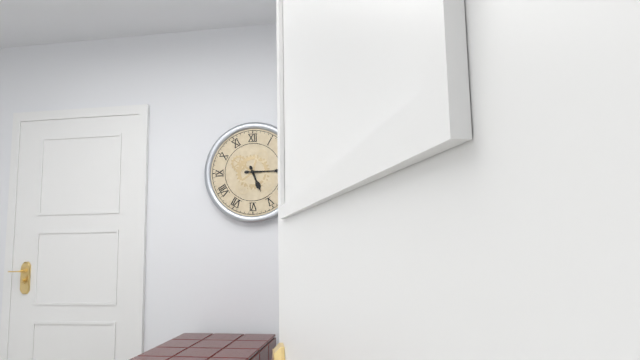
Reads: 5 h 15 min
